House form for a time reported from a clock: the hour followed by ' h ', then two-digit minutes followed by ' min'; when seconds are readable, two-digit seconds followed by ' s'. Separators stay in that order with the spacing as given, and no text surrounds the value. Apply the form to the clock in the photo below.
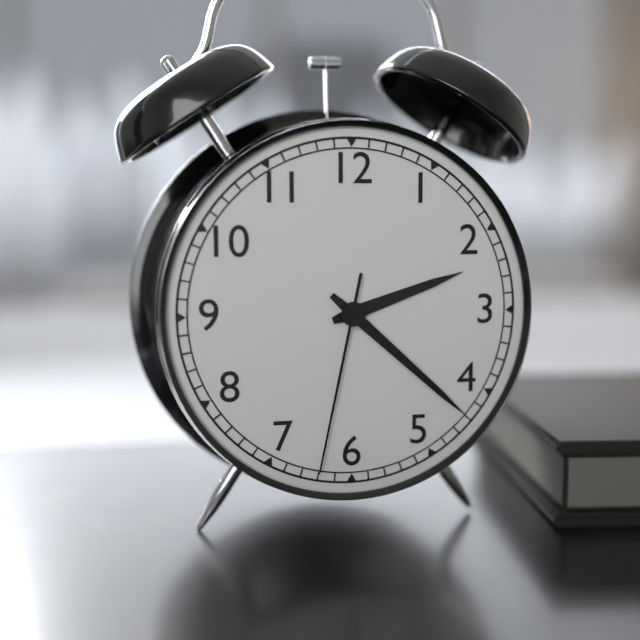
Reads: 2 h 22 min 32 s
